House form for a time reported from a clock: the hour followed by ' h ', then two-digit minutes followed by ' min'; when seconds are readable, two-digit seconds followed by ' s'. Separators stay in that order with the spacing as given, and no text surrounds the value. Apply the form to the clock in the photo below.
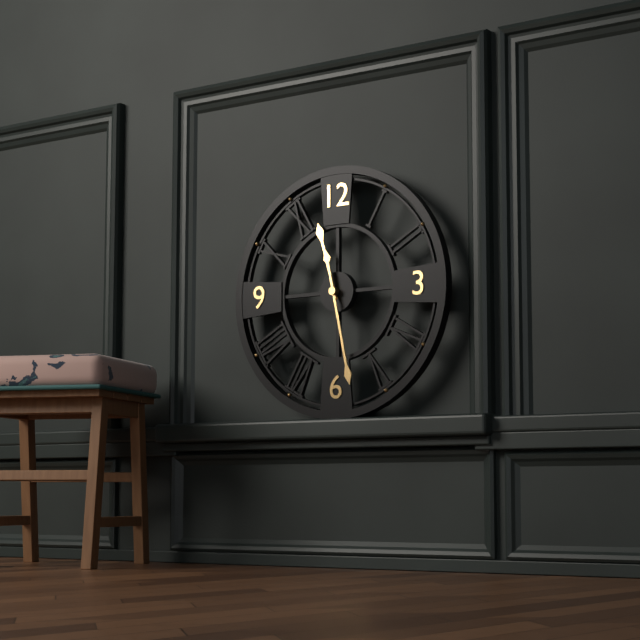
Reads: 11 h 28 min
